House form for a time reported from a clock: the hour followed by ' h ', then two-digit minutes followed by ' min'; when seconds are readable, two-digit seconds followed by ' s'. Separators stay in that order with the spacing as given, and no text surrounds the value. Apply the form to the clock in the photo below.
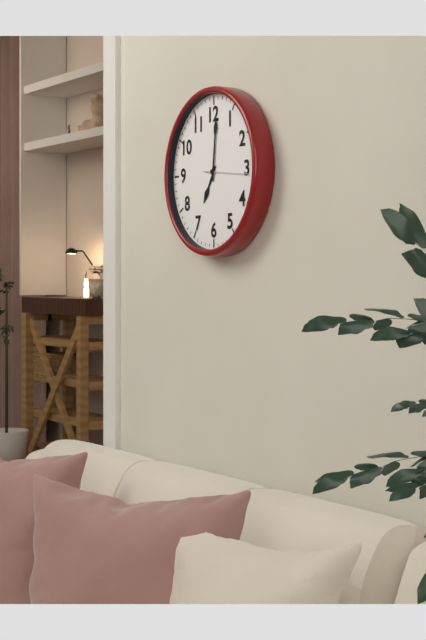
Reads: 7 h 01 min
